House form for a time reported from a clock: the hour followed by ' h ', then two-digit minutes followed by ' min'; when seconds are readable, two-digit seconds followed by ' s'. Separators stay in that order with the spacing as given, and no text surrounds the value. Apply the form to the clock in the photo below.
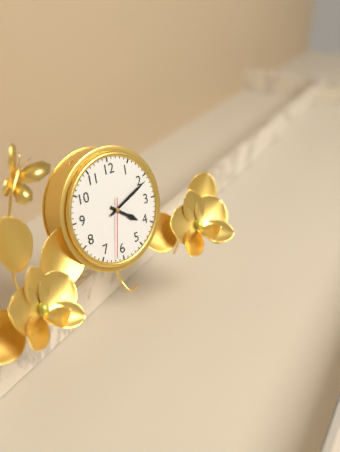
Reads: 4 h 11 min 32 s
